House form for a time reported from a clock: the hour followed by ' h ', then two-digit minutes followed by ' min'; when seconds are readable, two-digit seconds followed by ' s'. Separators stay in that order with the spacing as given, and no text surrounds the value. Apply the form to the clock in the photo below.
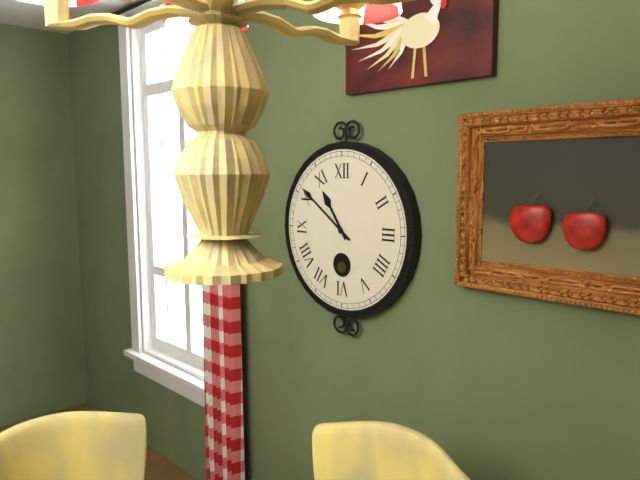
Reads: 10 h 51 min
